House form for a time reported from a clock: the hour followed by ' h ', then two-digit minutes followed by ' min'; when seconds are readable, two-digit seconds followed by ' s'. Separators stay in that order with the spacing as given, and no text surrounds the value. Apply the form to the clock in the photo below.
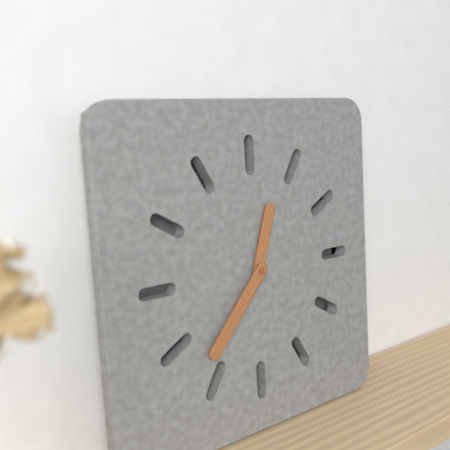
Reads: 12 h 37 min
